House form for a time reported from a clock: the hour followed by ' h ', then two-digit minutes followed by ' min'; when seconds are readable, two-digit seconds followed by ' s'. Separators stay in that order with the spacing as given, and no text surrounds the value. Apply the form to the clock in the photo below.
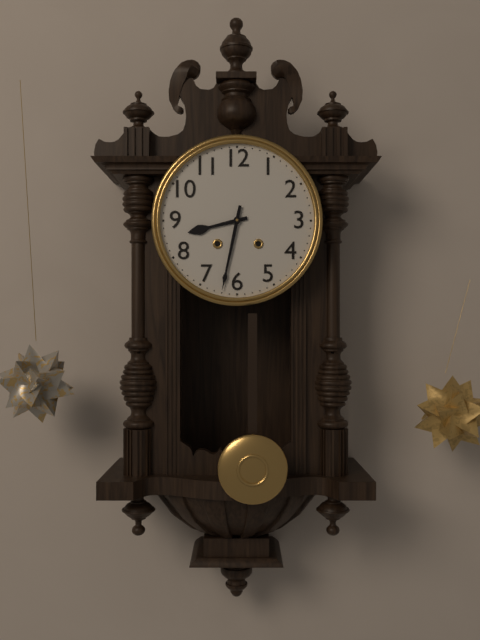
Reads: 8 h 32 min
